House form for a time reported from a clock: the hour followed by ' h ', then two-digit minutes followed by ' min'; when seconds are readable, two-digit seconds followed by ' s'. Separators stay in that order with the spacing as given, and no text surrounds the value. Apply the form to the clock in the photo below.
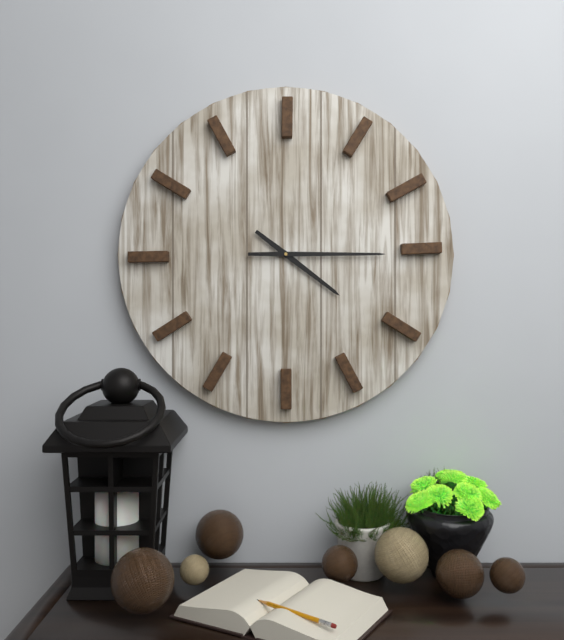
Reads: 4 h 15 min
